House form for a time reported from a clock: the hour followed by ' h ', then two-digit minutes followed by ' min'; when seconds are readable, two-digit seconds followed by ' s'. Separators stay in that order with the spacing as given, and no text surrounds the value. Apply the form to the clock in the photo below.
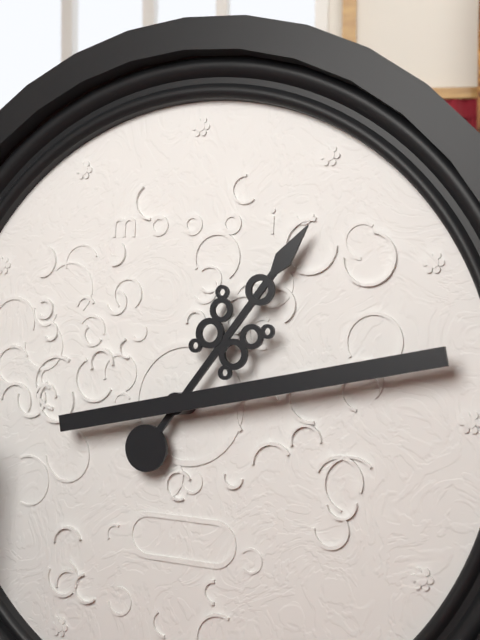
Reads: 1 h 13 min
